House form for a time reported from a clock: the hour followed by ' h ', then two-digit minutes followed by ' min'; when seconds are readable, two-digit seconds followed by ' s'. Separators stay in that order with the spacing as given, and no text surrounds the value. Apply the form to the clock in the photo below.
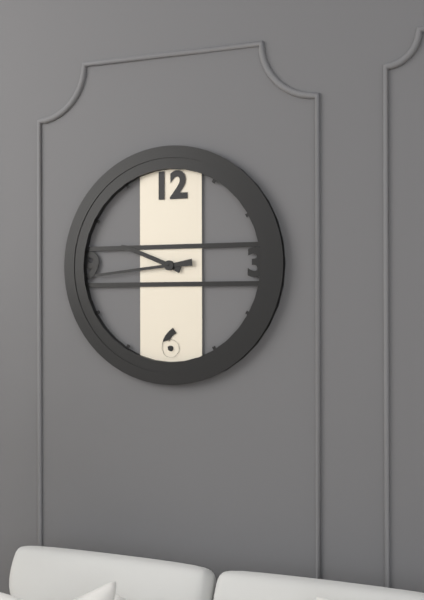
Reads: 9 h 44 min
